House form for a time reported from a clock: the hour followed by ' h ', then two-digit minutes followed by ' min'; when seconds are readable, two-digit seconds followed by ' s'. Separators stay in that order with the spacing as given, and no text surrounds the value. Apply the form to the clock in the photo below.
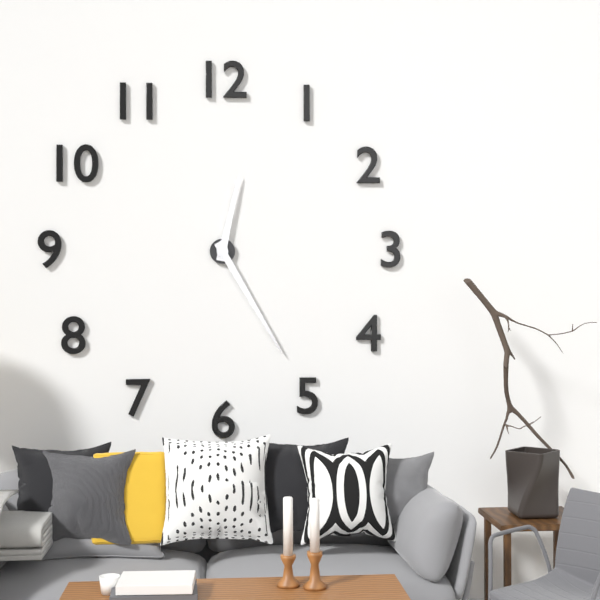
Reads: 12 h 25 min
